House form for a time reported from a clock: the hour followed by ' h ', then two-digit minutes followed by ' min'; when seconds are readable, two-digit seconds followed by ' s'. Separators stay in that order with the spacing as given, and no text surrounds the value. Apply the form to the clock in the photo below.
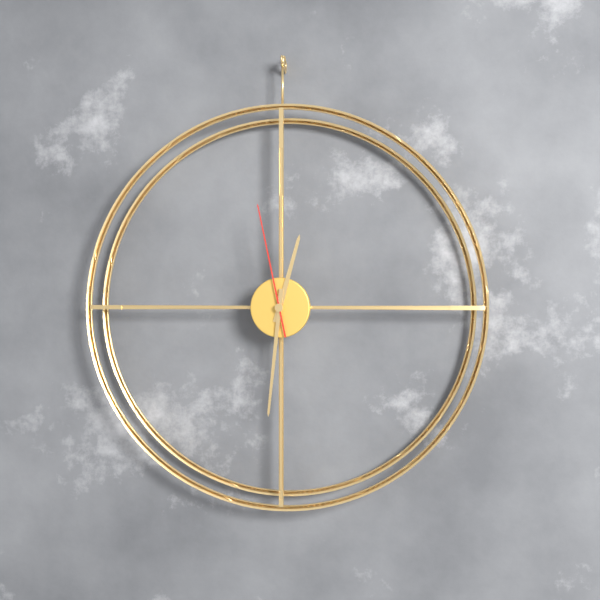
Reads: 12 h 31 min 58 s
